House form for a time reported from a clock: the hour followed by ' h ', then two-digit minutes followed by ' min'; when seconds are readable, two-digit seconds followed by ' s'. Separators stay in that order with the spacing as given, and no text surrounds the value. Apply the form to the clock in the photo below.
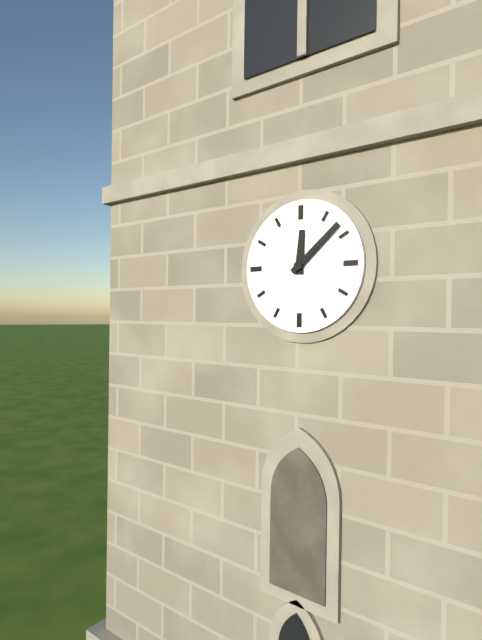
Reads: 12 h 08 min
